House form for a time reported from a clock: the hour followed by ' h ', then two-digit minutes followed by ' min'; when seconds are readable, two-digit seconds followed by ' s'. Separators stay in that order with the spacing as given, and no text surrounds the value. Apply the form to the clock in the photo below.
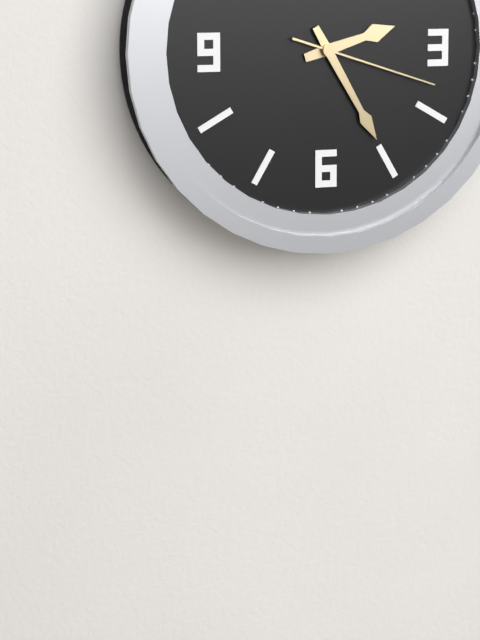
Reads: 2 h 25 min 18 s
